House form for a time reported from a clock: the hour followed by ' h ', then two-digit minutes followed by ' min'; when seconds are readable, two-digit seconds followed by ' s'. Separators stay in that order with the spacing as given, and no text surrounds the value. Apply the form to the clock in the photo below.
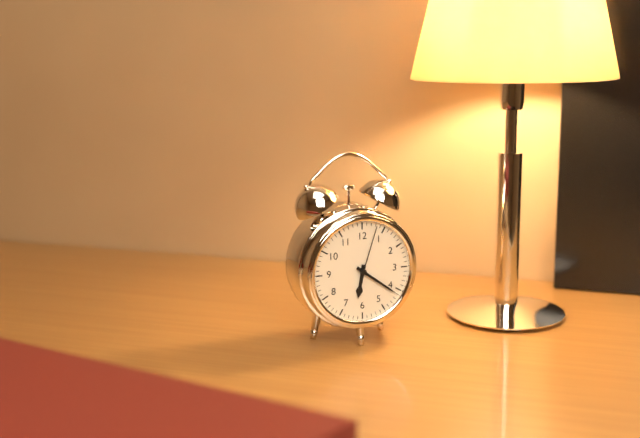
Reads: 6 h 21 min 03 s
